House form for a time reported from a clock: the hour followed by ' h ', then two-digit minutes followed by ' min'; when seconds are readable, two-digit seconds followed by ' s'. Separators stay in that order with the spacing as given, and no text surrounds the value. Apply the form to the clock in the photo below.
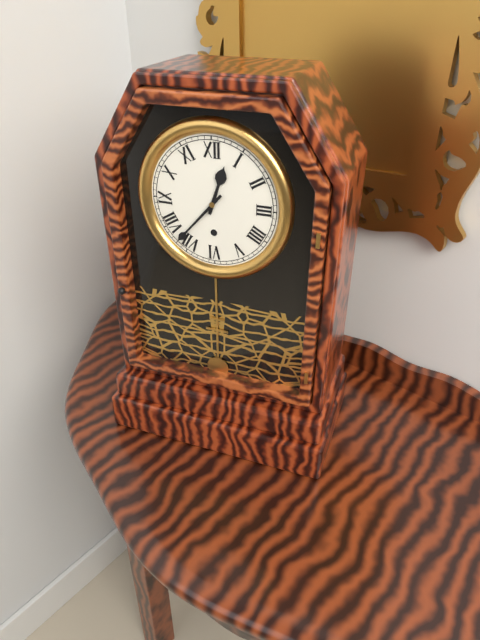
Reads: 12 h 37 min
